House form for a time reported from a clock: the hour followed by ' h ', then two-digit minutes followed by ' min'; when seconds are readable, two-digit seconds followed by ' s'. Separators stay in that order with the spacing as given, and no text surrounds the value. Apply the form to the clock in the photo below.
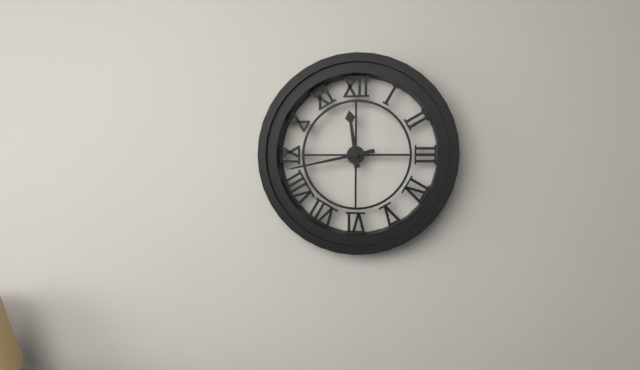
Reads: 11 h 43 min
